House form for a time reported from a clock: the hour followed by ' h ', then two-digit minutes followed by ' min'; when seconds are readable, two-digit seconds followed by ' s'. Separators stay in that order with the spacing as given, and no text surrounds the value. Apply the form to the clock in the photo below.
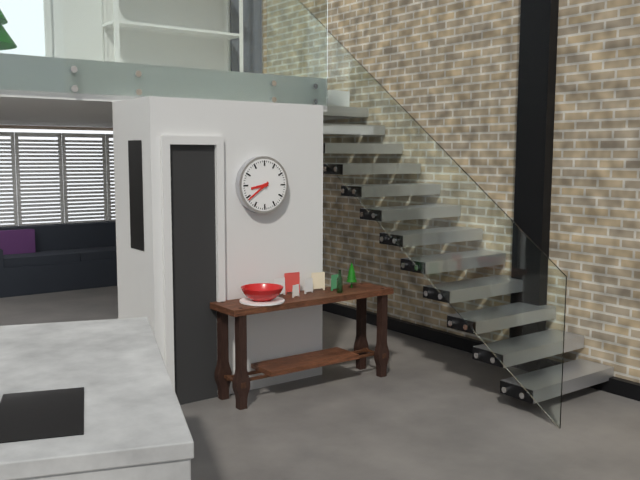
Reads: 8 h 39 min
